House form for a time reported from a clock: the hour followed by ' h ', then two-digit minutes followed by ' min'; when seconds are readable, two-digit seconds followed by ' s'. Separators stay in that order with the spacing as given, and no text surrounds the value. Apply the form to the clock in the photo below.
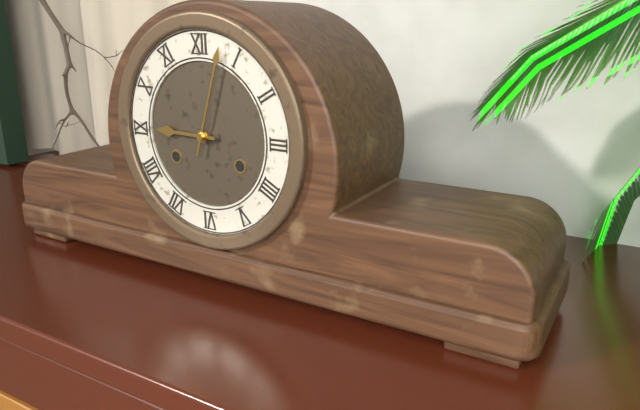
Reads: 9 h 03 min
